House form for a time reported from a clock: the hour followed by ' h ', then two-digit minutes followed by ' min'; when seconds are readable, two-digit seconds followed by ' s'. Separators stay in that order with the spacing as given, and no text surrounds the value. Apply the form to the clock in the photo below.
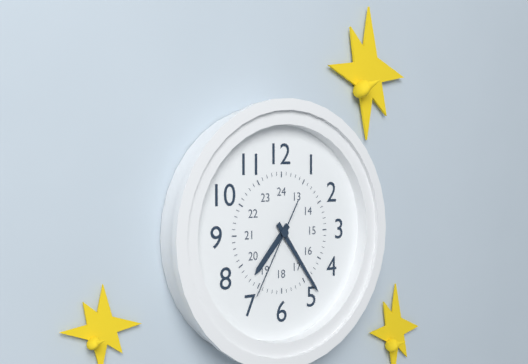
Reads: 7 h 24 min 35 s
